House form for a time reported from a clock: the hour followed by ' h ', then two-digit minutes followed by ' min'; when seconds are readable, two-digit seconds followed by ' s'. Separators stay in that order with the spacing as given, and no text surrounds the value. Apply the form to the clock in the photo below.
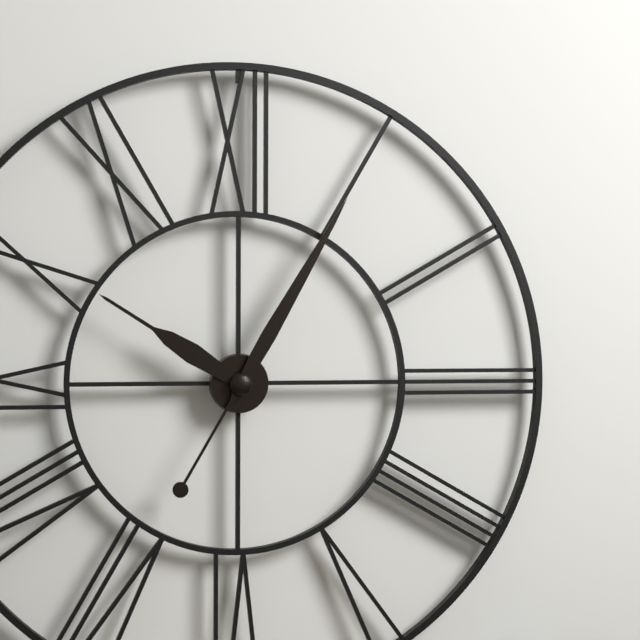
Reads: 10 h 05 min
